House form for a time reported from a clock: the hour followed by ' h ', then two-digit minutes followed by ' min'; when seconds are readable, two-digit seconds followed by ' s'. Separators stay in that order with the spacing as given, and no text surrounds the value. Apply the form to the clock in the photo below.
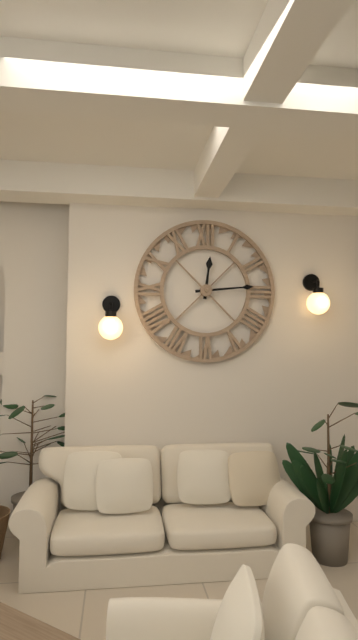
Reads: 12 h 14 min
